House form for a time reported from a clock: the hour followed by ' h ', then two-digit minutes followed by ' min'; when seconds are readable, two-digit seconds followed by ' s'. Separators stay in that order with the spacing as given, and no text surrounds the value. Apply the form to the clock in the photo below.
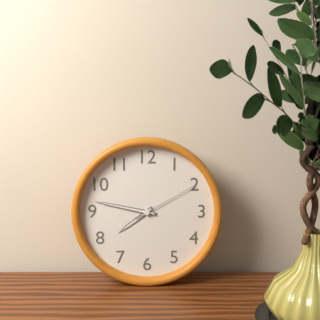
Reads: 7 h 47 min 10 s
